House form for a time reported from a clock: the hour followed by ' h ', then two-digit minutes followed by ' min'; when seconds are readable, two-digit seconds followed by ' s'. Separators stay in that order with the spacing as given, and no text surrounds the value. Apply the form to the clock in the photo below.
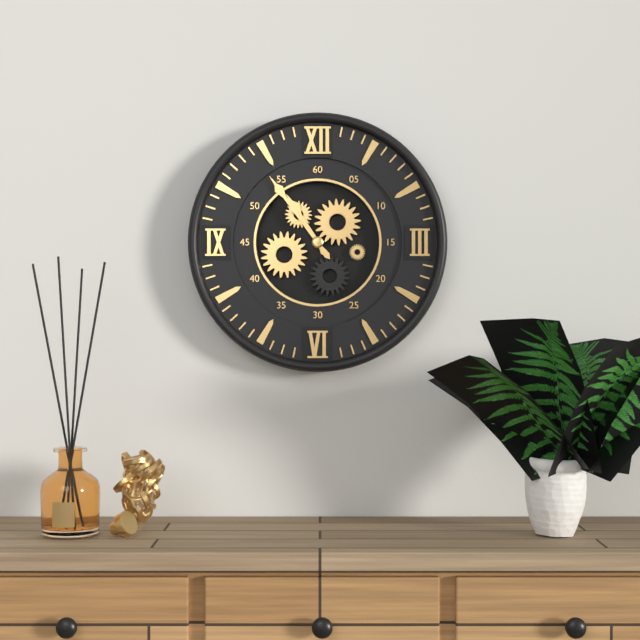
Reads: 10 h 54 min
